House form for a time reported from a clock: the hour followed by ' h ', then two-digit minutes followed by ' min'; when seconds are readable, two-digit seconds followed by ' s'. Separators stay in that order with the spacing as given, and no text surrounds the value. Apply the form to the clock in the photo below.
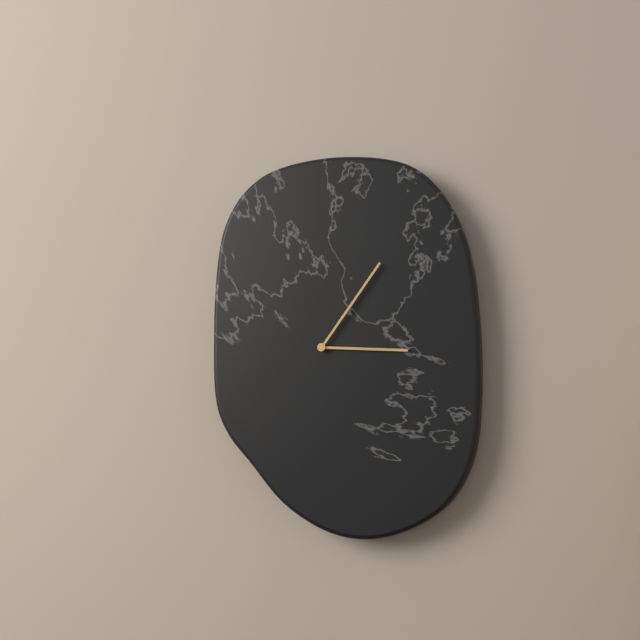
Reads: 3 h 06 min
